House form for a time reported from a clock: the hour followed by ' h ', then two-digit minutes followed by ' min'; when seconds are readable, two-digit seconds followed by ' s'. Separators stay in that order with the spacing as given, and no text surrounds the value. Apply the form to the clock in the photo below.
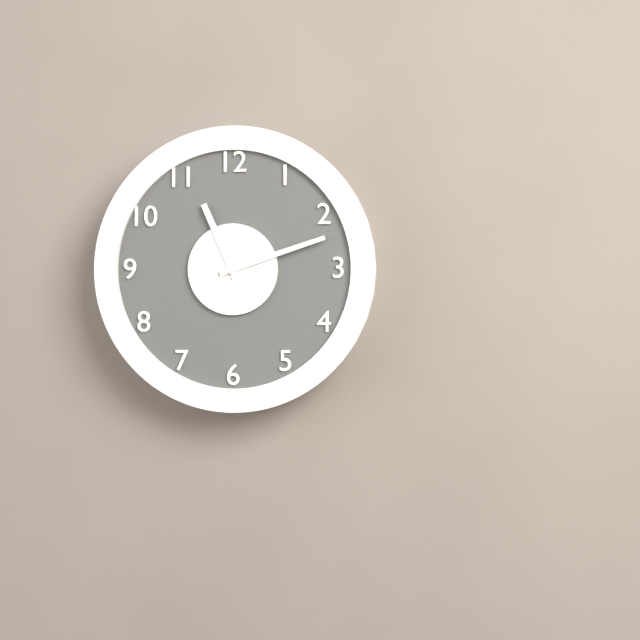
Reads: 11 h 12 min
